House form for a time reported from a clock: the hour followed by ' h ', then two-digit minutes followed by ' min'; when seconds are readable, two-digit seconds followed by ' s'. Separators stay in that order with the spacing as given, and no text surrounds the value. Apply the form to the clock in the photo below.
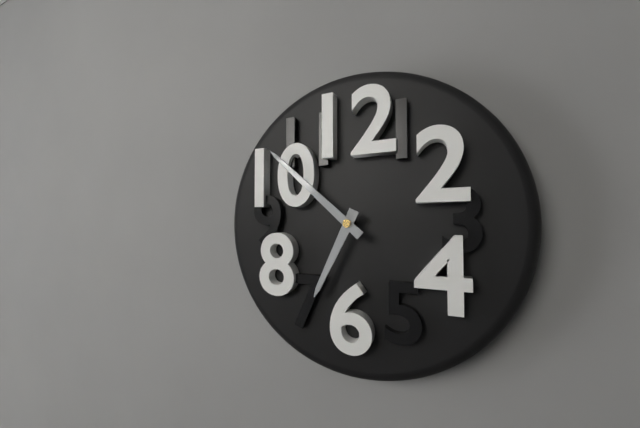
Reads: 6 h 52 min
